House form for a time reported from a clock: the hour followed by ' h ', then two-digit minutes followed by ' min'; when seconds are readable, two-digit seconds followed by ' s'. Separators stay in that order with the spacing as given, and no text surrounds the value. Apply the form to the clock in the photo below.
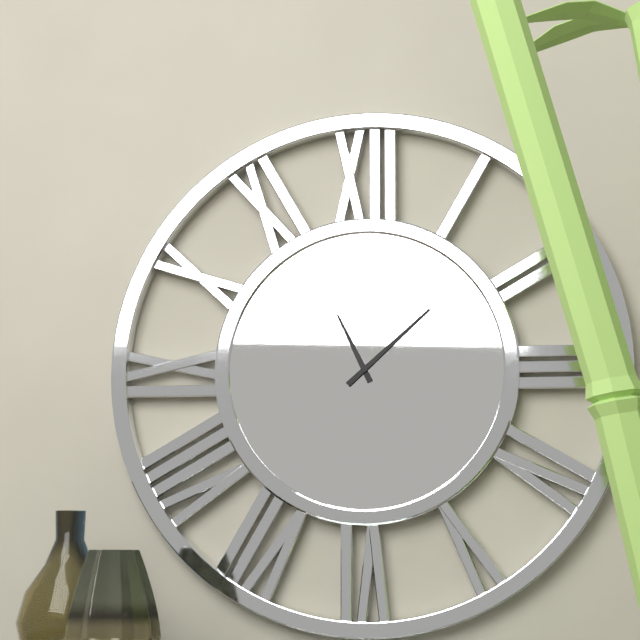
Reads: 11 h 08 min
